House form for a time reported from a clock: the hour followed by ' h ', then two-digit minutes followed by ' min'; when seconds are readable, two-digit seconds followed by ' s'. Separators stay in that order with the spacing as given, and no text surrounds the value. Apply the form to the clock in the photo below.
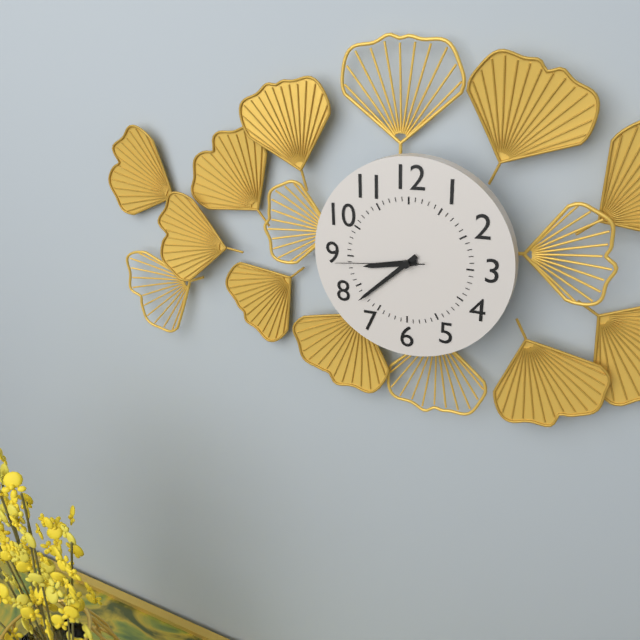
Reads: 8 h 38 min 44 s
